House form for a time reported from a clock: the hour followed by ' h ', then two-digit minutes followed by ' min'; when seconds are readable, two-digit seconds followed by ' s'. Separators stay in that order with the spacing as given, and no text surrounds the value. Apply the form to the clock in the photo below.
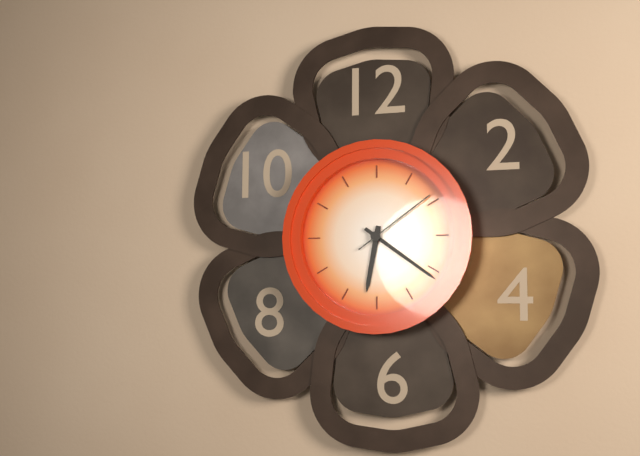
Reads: 6 h 21 min 09 s
